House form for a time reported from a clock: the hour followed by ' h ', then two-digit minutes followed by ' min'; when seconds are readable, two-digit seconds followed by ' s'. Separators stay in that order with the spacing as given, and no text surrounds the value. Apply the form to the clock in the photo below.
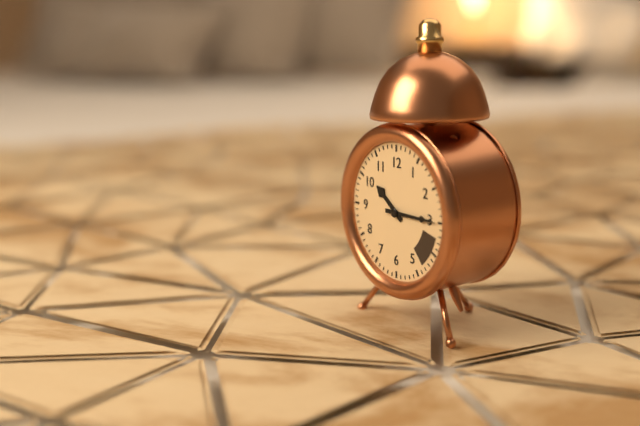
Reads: 10 h 15 min
